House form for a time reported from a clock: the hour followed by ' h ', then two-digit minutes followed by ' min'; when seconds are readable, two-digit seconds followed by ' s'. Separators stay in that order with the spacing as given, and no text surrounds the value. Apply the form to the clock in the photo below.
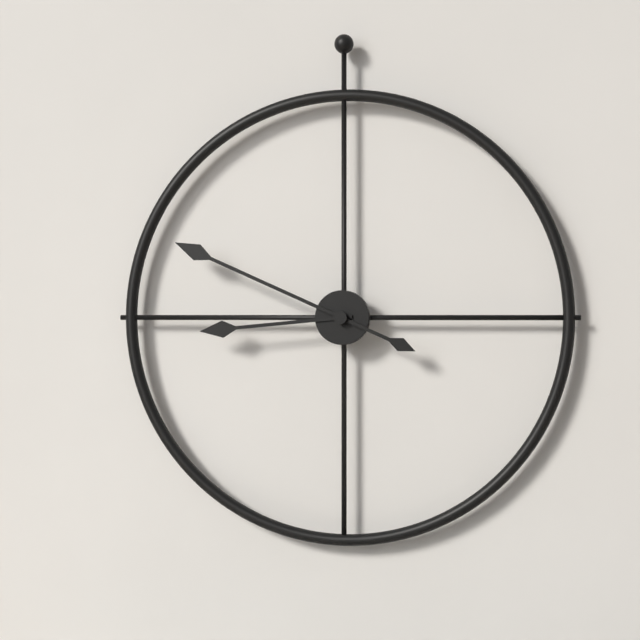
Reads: 8 h 49 min
